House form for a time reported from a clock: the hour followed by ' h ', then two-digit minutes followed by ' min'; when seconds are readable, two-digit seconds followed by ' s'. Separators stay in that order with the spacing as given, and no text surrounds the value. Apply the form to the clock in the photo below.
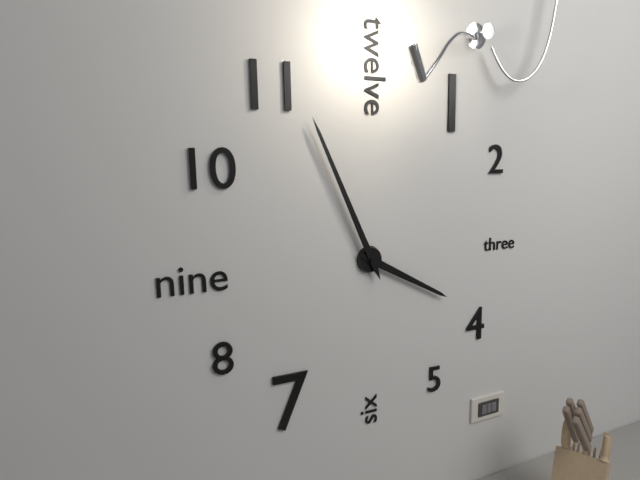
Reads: 3 h 56 min
